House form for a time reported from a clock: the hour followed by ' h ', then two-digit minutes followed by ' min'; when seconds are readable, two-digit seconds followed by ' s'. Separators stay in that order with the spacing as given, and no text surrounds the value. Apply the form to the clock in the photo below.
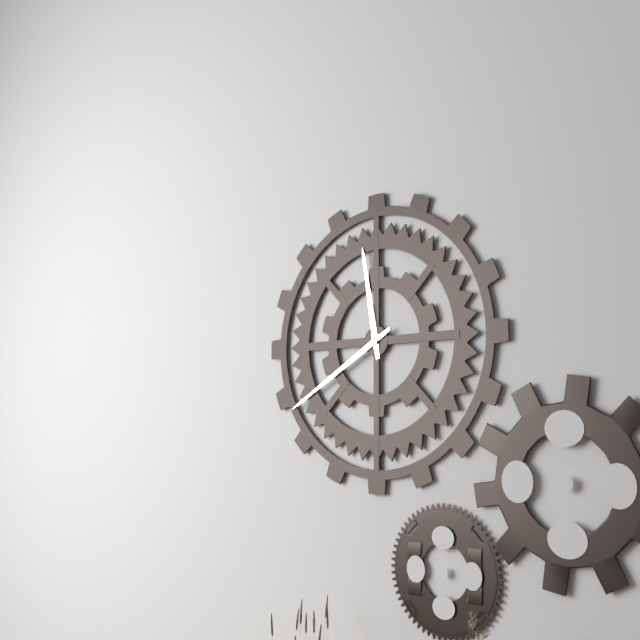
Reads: 11 h 40 min
